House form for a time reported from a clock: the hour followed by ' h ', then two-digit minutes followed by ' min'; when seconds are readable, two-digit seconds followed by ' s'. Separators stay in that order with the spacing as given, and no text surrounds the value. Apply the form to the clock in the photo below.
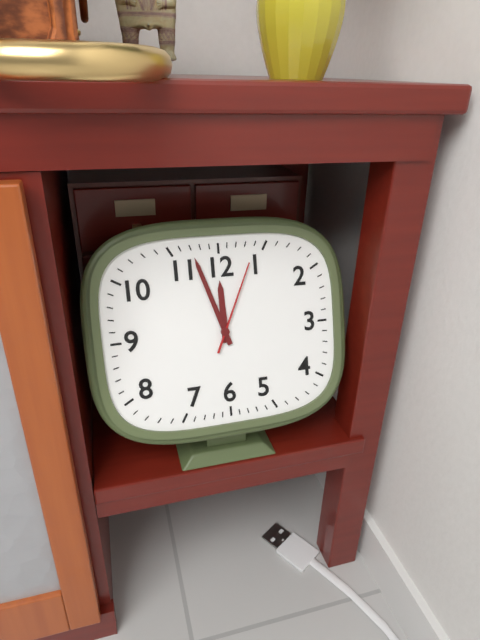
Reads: 11 h 57 min 04 s
